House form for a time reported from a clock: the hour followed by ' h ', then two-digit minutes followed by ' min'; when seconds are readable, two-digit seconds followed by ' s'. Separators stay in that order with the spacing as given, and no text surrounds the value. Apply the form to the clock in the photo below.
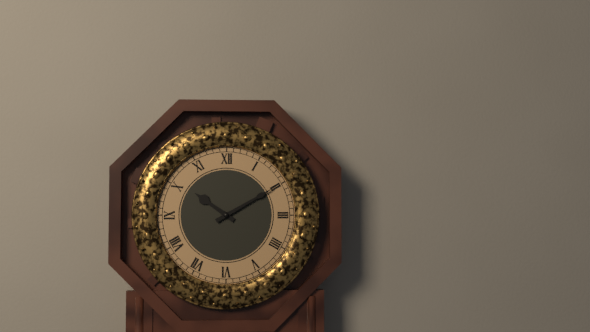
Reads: 10 h 10 min
